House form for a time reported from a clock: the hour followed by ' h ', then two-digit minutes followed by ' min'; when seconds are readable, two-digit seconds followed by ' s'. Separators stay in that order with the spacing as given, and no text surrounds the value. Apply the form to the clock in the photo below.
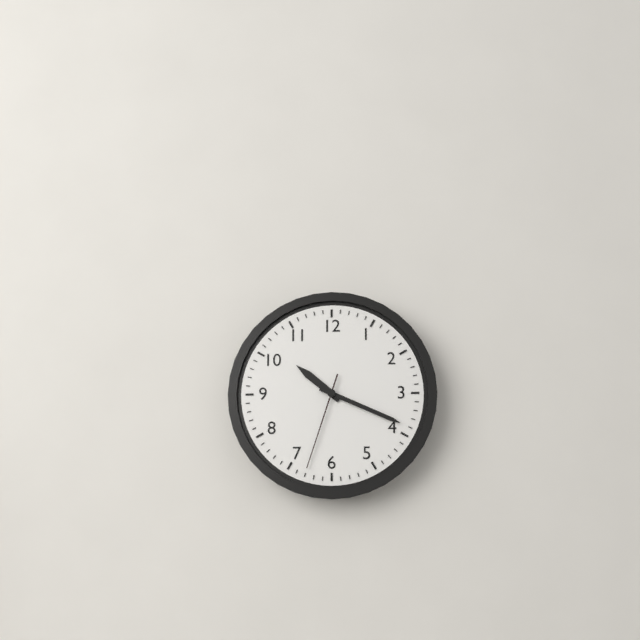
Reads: 10 h 19 min 33 s
